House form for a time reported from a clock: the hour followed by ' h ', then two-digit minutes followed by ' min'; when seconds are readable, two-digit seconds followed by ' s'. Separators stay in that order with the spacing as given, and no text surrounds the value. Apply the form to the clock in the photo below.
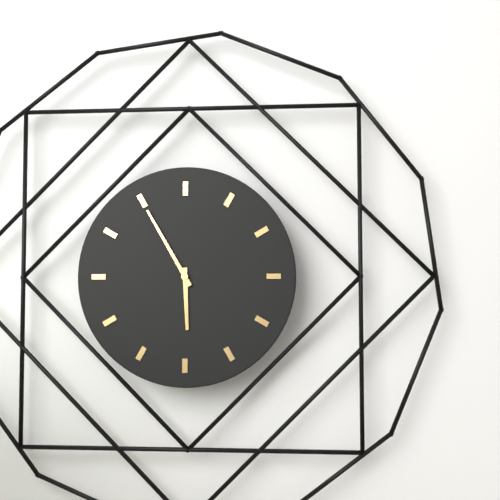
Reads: 5 h 55 min
